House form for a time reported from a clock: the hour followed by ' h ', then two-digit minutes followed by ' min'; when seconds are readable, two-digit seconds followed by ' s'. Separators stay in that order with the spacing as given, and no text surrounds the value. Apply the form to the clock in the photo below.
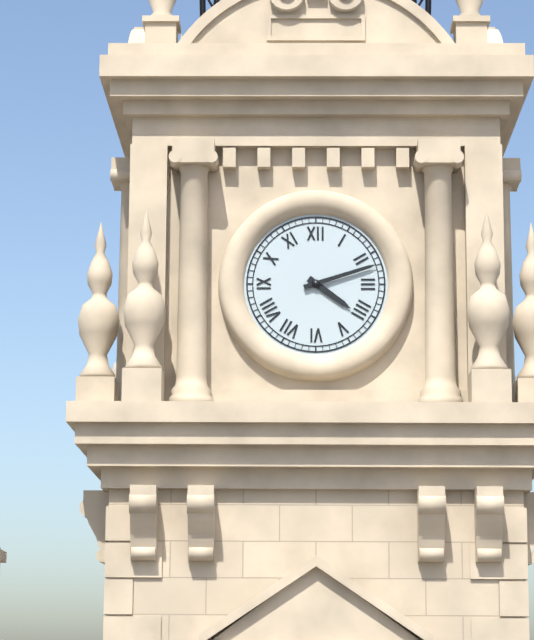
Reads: 4 h 12 min
